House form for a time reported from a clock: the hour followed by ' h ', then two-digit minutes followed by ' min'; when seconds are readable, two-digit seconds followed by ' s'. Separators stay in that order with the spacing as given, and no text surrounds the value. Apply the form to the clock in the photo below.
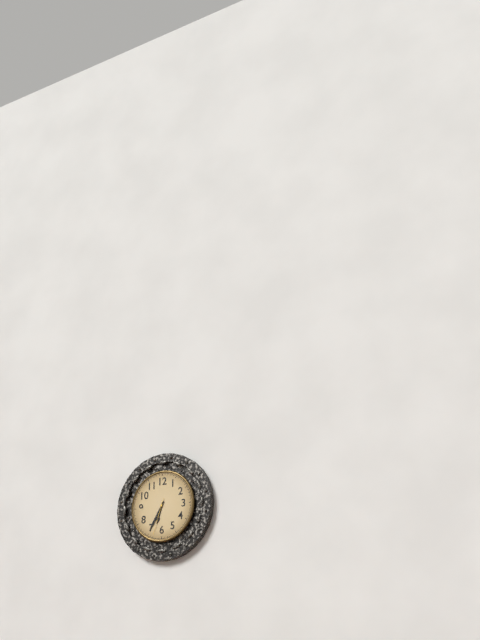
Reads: 6 h 35 min
